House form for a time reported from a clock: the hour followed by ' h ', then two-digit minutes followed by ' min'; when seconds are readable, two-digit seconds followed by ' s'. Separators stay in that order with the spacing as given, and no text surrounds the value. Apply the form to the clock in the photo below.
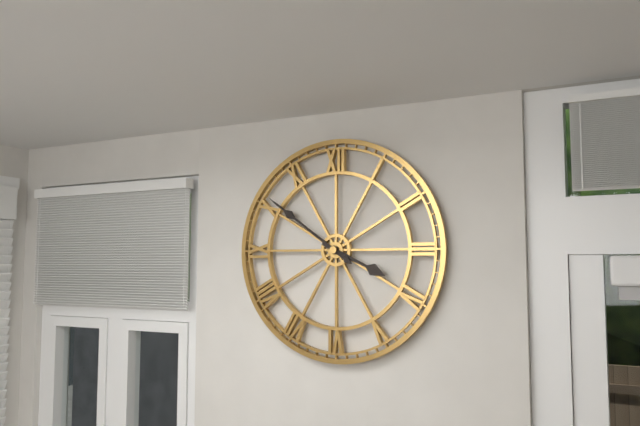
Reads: 3 h 51 min
